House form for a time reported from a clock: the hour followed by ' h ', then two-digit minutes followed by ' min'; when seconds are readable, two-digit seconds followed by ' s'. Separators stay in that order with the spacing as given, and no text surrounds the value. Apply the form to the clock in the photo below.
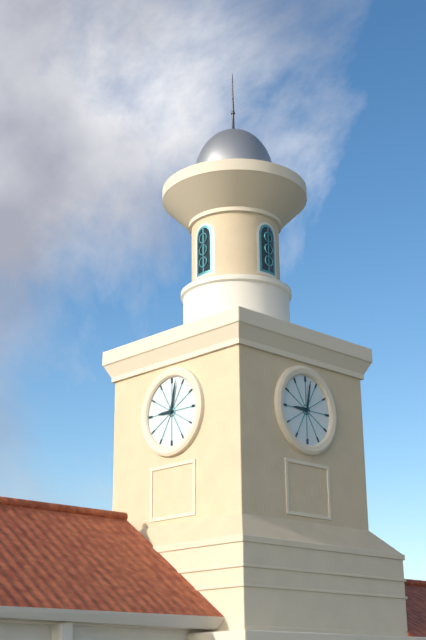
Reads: 9 h 02 min
